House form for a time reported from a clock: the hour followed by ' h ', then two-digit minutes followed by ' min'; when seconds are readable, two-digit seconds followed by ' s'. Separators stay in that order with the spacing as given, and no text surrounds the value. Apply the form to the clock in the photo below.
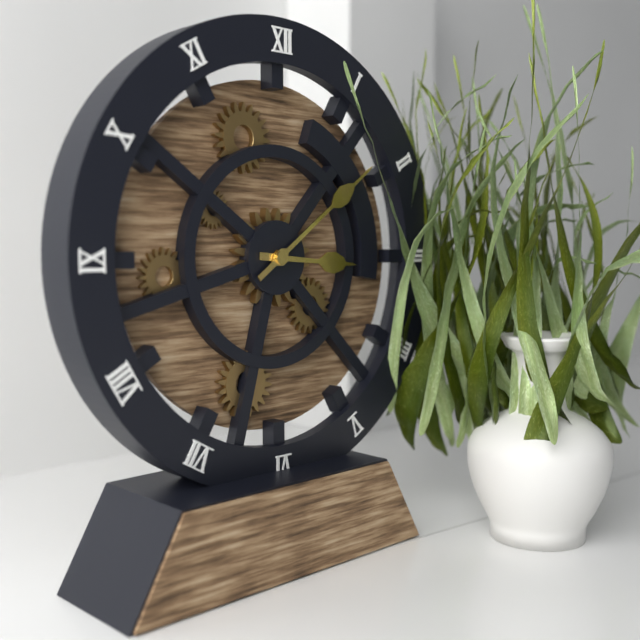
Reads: 3 h 09 min
